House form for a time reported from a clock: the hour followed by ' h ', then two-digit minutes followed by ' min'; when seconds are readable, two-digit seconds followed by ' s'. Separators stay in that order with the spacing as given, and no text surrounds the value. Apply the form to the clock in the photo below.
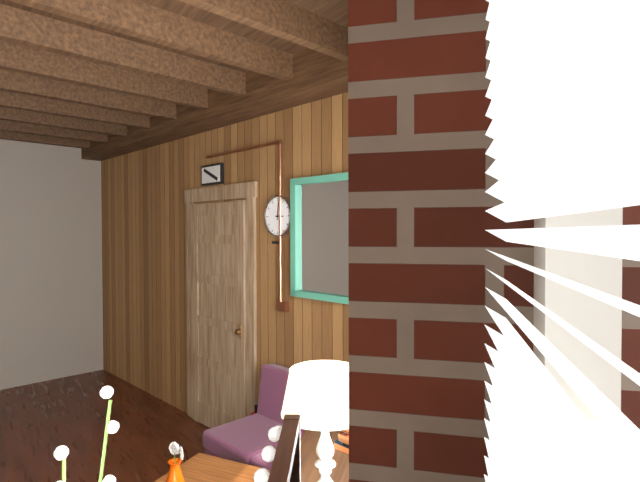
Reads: 3 h 01 min
